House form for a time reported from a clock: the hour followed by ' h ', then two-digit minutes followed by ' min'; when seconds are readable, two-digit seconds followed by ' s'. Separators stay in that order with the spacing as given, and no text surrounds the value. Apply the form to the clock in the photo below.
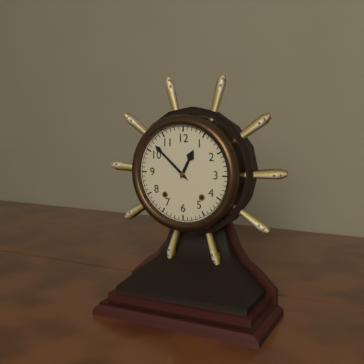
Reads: 12 h 52 min
